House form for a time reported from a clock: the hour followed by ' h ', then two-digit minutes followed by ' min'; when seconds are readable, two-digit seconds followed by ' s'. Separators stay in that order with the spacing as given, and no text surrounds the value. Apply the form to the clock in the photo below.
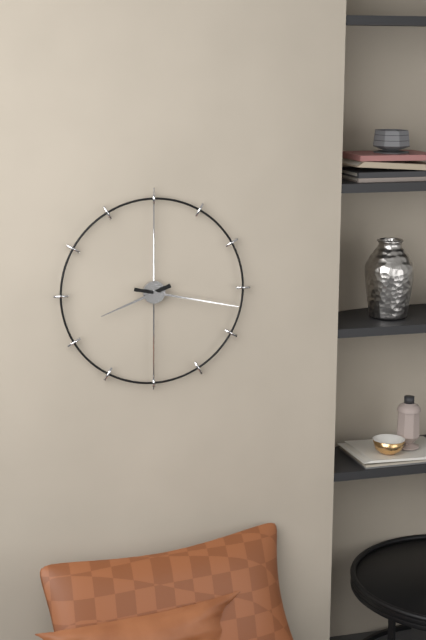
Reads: 8 h 17 min
